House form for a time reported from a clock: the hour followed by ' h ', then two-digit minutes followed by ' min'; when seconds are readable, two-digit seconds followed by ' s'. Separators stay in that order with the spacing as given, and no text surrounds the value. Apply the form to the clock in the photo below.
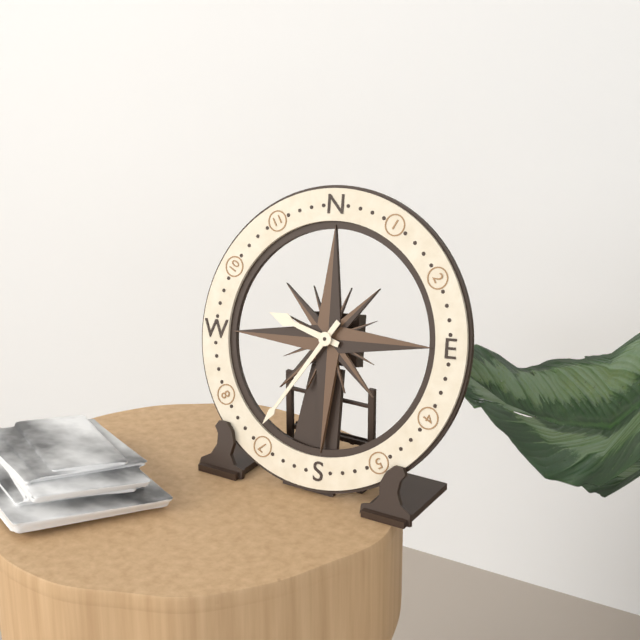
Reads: 9 h 36 min
